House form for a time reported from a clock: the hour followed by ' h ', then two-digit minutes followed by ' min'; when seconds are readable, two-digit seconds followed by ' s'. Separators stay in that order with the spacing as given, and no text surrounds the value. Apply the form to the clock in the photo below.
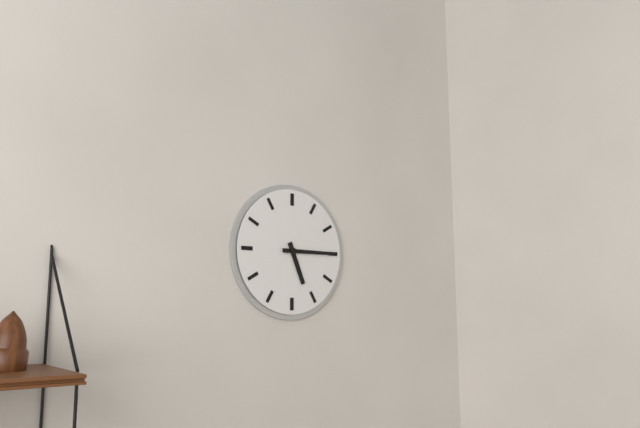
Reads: 5 h 15 min
